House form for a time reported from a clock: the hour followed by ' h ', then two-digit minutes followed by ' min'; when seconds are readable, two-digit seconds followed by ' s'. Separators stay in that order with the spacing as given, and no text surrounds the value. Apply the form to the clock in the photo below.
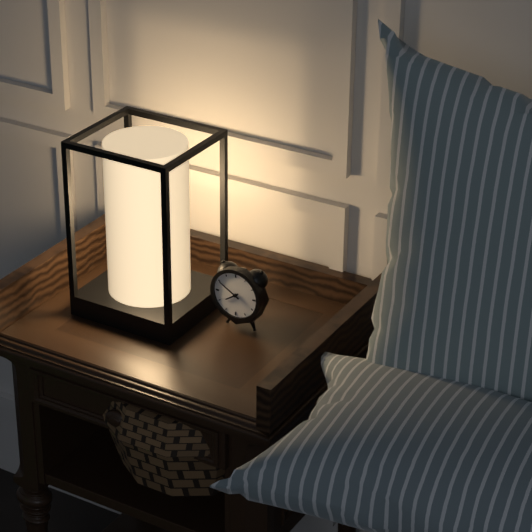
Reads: 7 h 50 min
